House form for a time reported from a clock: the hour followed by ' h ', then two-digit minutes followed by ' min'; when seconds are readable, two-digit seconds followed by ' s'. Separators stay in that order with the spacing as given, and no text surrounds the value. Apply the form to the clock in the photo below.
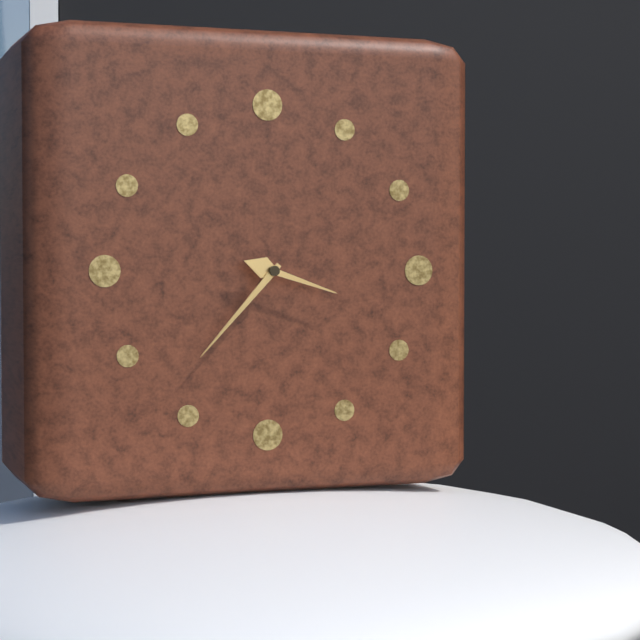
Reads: 3 h 37 min
